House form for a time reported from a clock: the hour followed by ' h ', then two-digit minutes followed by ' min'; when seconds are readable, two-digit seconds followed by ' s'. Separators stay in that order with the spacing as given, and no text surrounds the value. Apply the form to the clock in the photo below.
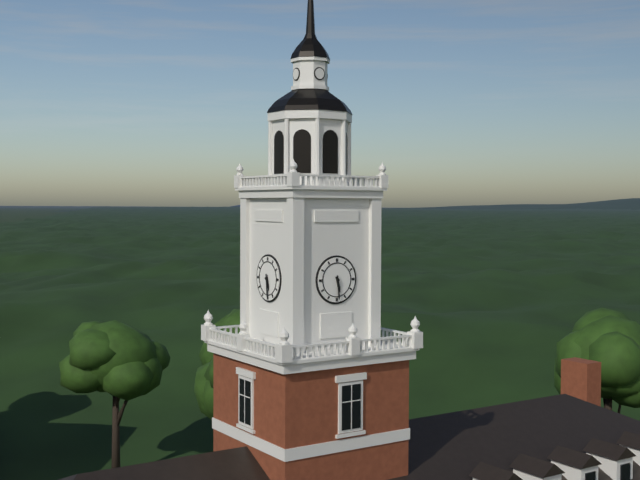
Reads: 5 h 29 min
